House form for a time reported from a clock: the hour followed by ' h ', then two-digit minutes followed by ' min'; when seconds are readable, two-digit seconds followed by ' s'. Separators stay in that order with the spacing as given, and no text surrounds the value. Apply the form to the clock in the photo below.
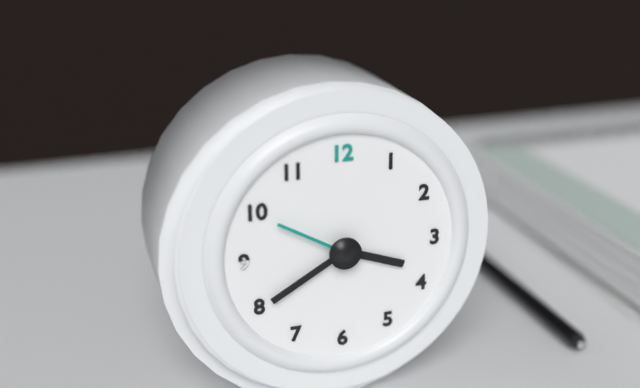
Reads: 3 h 40 min 50 s
